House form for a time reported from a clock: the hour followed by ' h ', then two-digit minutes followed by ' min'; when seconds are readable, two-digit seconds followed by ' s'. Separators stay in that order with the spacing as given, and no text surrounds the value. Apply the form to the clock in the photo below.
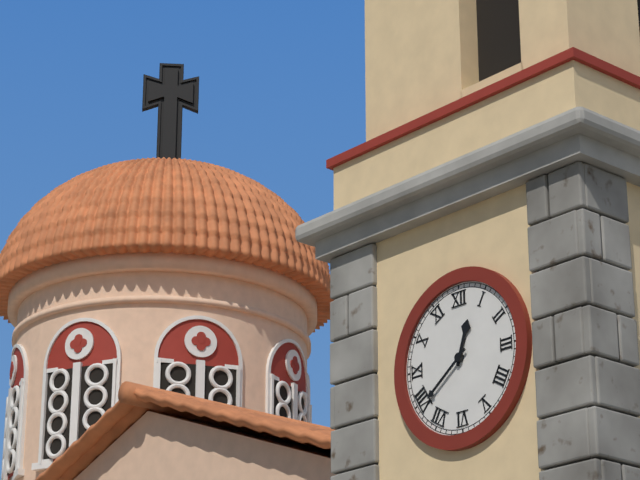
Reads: 12 h 39 min
